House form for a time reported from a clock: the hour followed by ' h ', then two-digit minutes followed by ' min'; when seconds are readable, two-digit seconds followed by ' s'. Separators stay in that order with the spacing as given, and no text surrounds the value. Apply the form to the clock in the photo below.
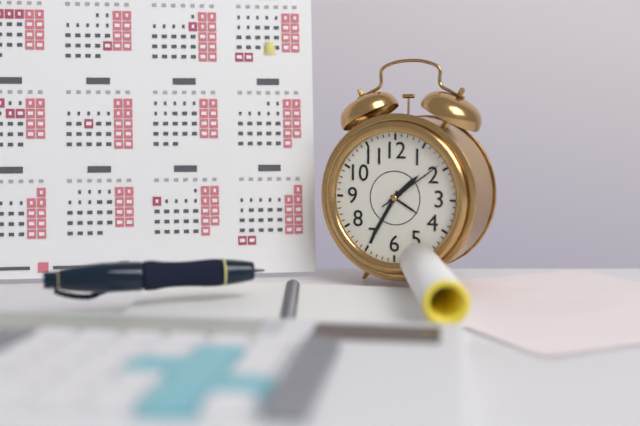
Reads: 1 h 35 min 09 s
